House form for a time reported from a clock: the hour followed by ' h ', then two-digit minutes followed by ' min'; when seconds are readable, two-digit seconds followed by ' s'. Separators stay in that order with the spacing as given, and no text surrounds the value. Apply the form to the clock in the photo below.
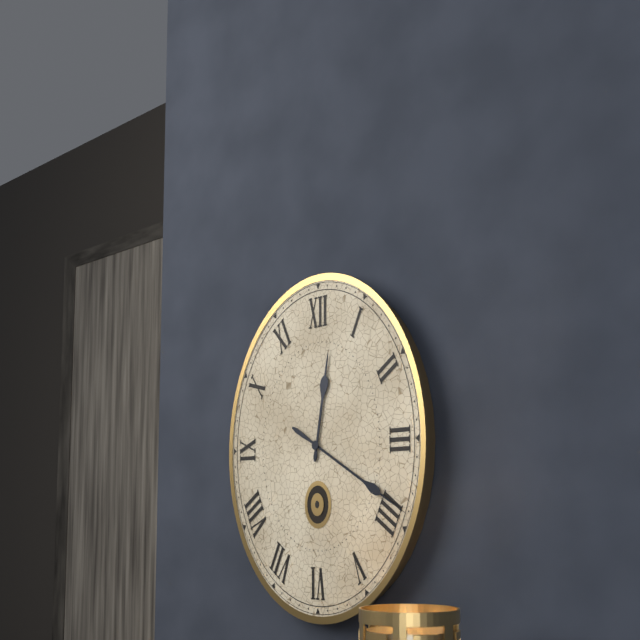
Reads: 12 h 20 min
